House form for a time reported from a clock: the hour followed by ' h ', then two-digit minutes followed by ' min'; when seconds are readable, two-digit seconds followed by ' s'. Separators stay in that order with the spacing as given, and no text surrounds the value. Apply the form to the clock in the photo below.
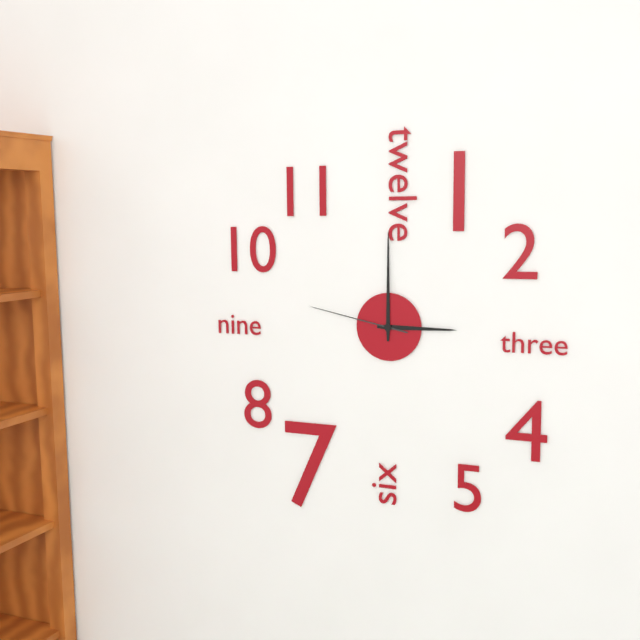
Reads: 3 h 00 min 47 s
